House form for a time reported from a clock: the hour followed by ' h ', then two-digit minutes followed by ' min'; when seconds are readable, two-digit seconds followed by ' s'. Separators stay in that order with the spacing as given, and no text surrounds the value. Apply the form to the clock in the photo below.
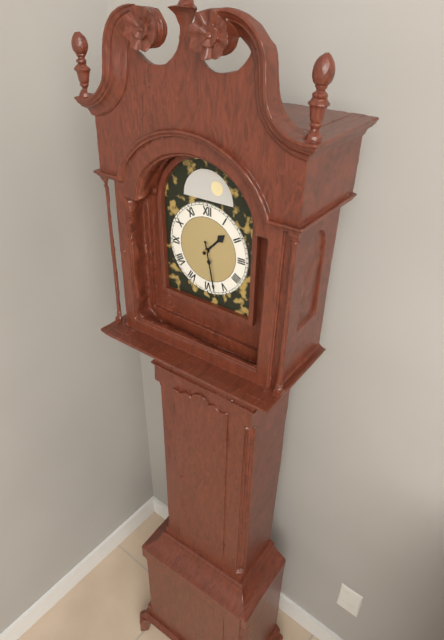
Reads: 1 h 28 min
